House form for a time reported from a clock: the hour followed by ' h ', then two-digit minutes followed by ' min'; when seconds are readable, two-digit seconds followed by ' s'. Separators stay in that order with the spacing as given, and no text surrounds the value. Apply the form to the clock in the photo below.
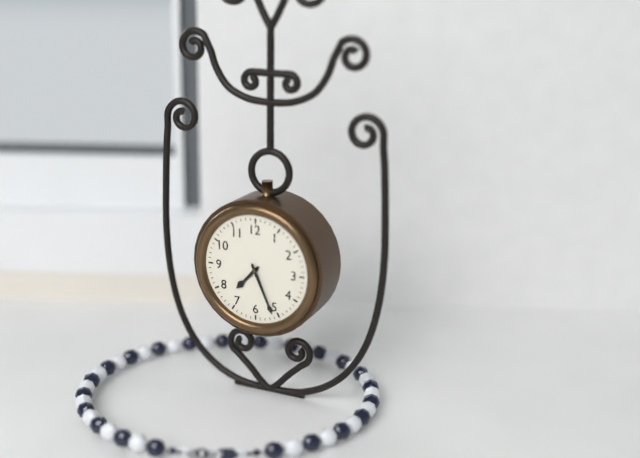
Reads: 7 h 26 min
